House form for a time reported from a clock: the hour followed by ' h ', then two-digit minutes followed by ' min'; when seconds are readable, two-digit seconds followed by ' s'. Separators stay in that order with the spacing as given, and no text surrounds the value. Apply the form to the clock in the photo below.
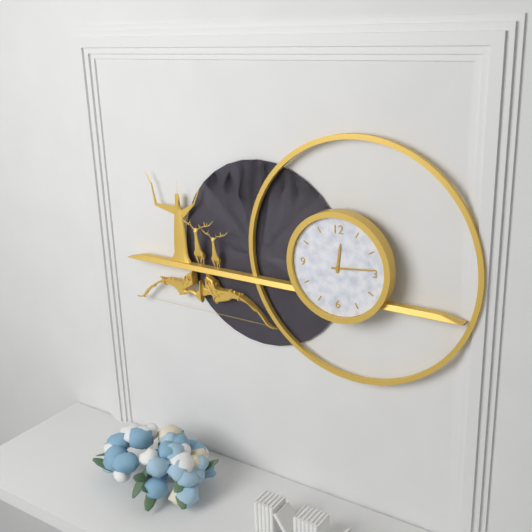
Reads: 12 h 14 min
